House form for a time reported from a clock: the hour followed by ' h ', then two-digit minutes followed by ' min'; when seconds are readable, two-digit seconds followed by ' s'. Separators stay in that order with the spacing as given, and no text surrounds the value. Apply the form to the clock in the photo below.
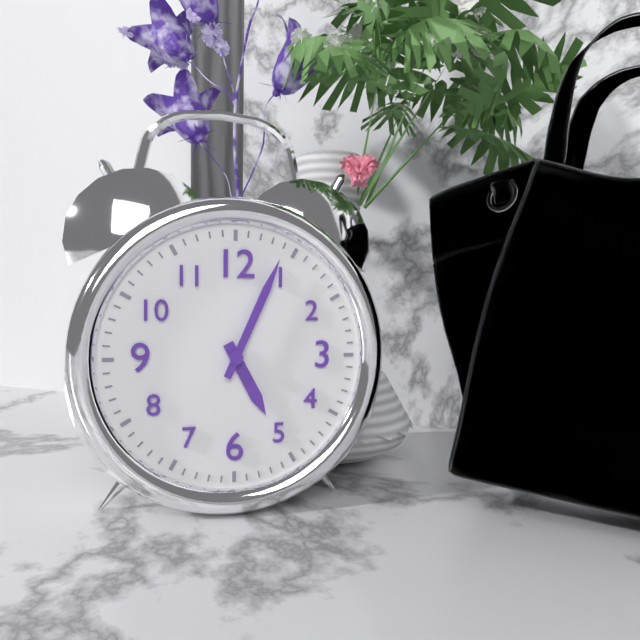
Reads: 5 h 04 min
